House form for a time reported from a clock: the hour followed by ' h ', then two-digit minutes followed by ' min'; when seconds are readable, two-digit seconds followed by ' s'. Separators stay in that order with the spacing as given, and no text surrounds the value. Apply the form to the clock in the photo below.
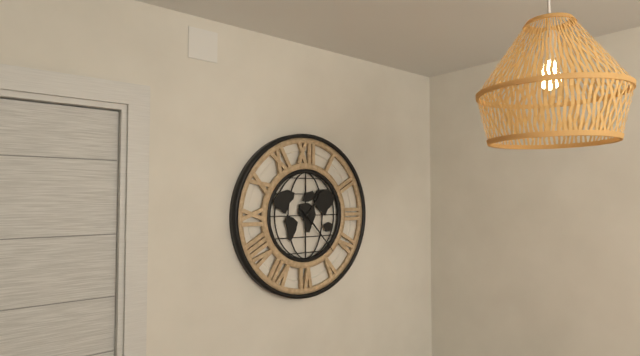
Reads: 1 h 23 min
